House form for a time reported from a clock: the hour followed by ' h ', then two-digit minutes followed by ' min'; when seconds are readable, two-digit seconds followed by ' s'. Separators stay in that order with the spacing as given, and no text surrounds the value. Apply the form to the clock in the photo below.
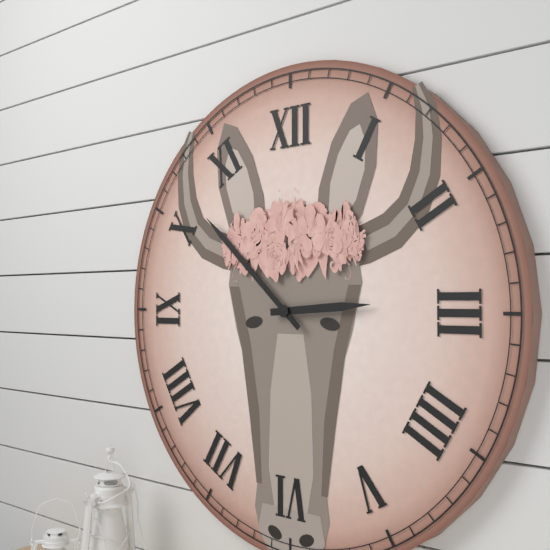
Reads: 2 h 52 min
